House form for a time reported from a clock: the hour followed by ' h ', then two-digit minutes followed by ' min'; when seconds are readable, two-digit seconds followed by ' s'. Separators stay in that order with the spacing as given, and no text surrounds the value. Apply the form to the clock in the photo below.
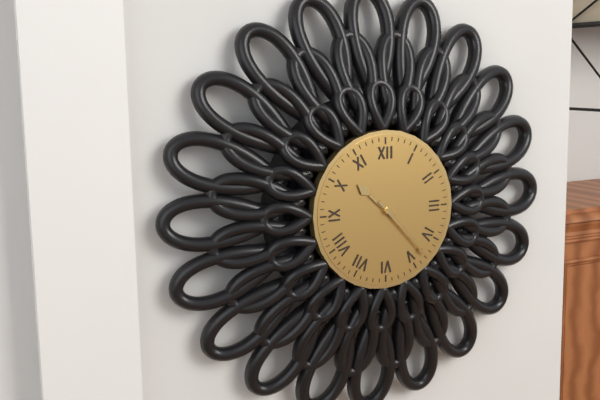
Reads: 10 h 23 min
